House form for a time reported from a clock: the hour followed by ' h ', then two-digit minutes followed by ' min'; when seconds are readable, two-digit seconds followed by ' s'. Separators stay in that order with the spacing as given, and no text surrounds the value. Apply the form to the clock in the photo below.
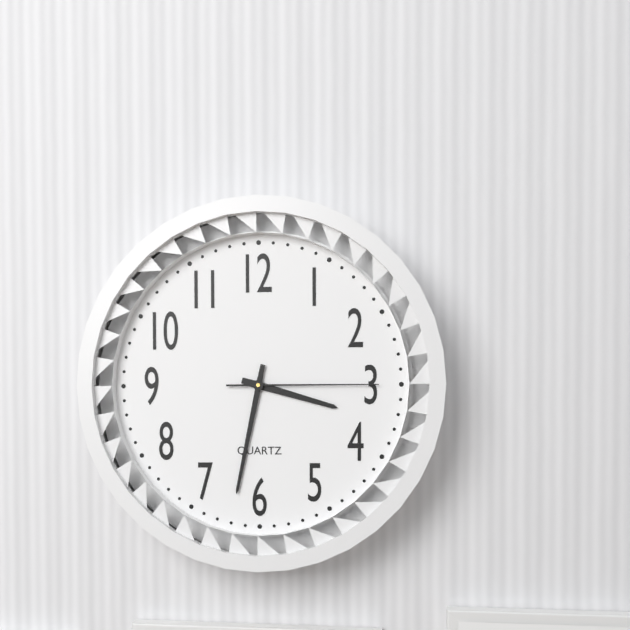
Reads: 3 h 32 min 15 s
